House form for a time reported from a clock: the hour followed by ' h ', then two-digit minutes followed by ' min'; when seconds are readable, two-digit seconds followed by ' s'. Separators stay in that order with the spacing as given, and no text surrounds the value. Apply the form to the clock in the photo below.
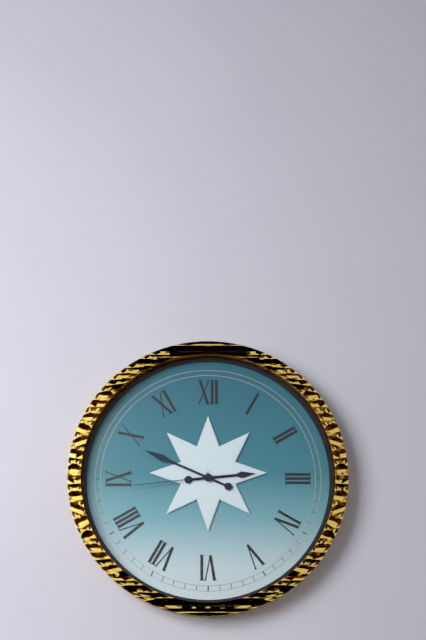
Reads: 2 h 49 min 44 s
